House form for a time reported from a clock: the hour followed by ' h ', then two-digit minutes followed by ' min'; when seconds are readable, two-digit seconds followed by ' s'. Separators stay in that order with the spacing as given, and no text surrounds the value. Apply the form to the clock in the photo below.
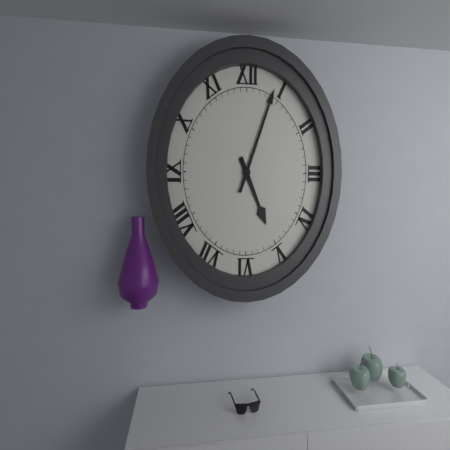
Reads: 5 h 04 min
